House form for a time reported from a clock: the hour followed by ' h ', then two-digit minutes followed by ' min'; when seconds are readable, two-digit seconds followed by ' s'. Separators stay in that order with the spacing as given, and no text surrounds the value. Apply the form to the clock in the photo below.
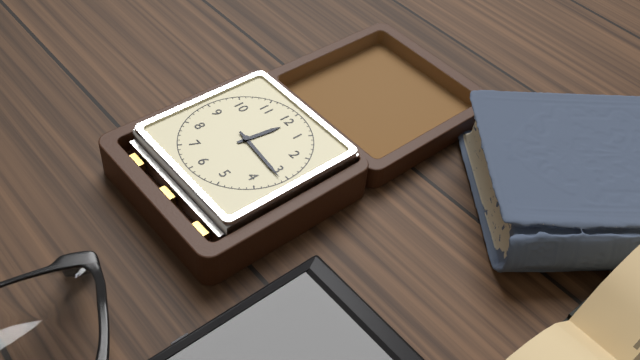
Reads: 12 h 16 min
